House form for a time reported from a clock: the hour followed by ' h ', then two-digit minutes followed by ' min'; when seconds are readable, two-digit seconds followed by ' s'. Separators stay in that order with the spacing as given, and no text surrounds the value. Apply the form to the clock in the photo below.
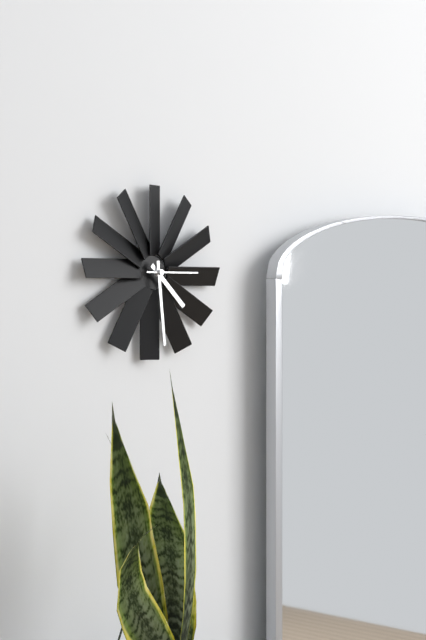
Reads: 4 h 29 min
